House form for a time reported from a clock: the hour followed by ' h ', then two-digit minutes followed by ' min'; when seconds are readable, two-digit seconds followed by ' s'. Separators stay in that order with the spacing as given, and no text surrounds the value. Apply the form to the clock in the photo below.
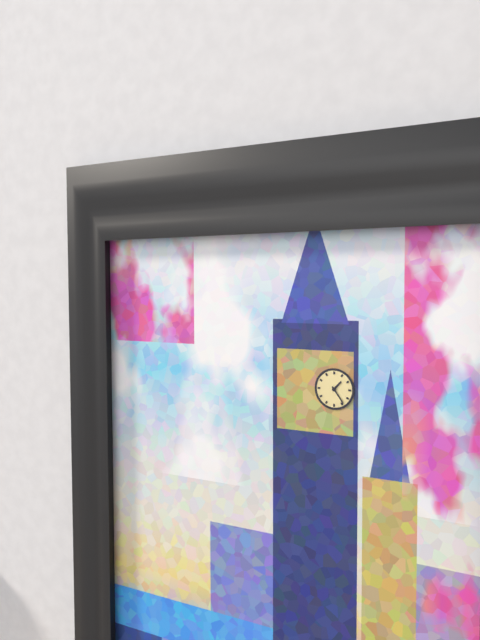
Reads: 1 h 24 min
